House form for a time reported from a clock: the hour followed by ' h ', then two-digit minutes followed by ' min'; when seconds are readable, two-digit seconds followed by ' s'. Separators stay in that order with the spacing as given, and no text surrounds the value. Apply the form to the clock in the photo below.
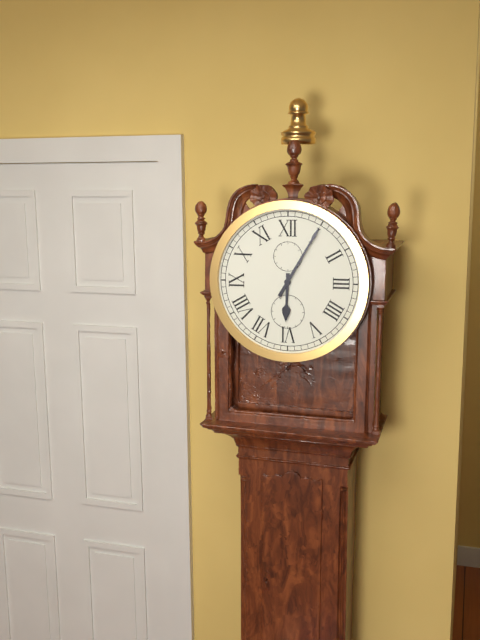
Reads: 6 h 05 min
